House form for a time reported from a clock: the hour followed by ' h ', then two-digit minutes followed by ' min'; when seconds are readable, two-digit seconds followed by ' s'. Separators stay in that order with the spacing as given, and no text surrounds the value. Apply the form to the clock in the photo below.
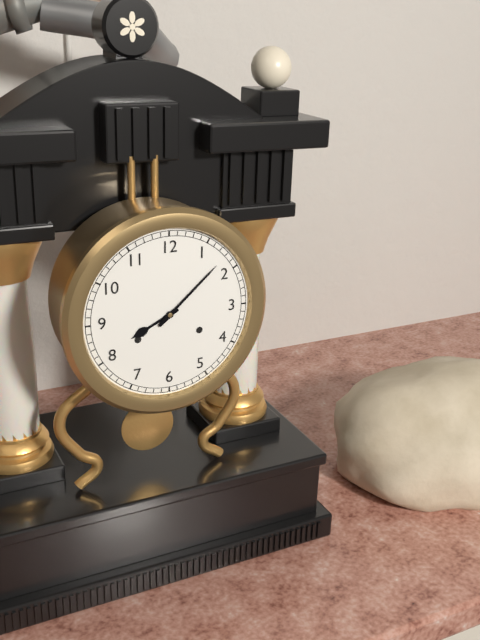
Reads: 8 h 08 min
